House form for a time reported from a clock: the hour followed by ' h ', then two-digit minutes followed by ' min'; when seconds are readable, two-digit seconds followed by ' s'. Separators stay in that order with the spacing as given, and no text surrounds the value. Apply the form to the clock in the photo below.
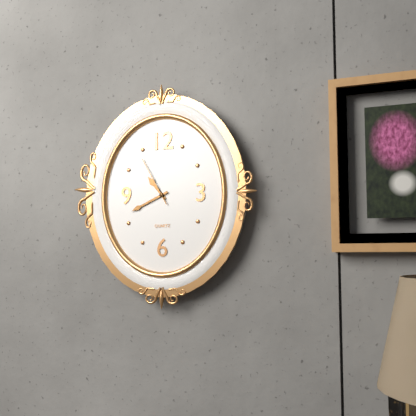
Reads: 10 h 41 min 55 s
